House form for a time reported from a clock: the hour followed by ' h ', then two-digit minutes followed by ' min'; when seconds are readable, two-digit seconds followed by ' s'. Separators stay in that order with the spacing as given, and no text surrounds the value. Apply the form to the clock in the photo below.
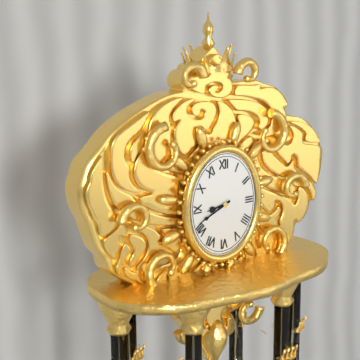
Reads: 8 h 41 min
